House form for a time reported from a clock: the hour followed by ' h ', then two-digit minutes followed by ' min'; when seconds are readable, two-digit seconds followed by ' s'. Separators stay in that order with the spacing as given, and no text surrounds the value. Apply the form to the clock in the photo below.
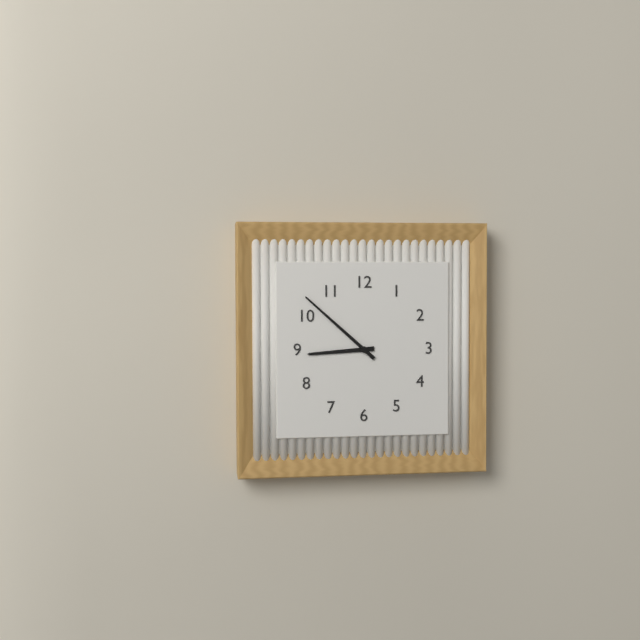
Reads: 8 h 52 min
